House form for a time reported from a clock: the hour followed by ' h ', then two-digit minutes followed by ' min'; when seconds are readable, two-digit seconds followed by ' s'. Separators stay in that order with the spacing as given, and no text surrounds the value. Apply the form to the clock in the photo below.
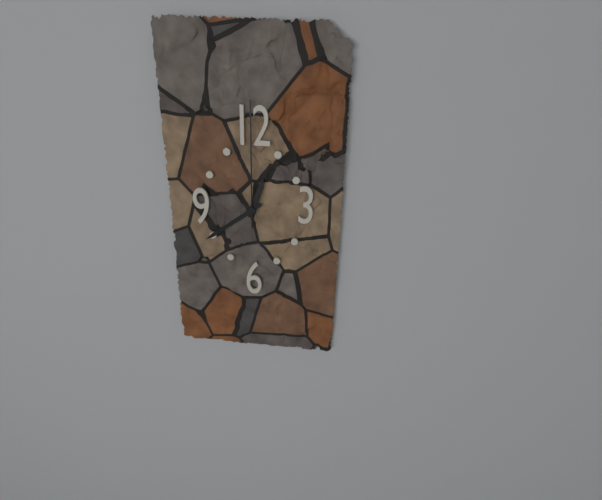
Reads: 12 h 39 min 00 s
